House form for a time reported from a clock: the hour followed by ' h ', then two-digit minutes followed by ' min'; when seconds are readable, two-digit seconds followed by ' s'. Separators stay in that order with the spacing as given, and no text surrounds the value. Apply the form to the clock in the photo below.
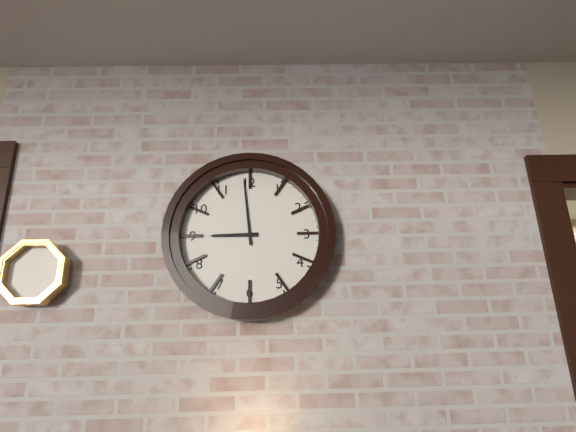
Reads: 8 h 59 min
